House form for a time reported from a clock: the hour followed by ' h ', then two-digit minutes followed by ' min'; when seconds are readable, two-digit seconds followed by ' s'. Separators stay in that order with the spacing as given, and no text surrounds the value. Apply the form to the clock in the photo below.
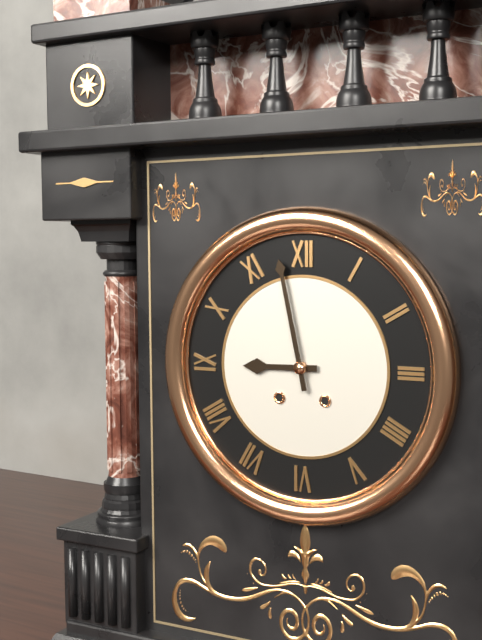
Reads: 8 h 58 min
